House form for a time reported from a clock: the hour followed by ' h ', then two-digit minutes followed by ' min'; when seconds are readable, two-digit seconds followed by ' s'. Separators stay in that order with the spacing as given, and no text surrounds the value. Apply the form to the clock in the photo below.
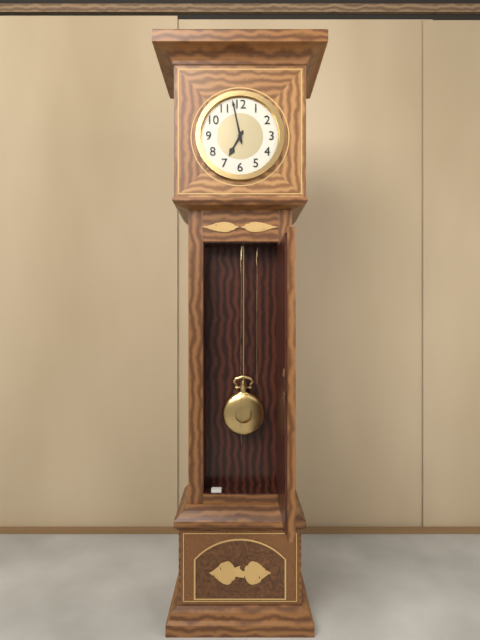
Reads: 6 h 58 min
